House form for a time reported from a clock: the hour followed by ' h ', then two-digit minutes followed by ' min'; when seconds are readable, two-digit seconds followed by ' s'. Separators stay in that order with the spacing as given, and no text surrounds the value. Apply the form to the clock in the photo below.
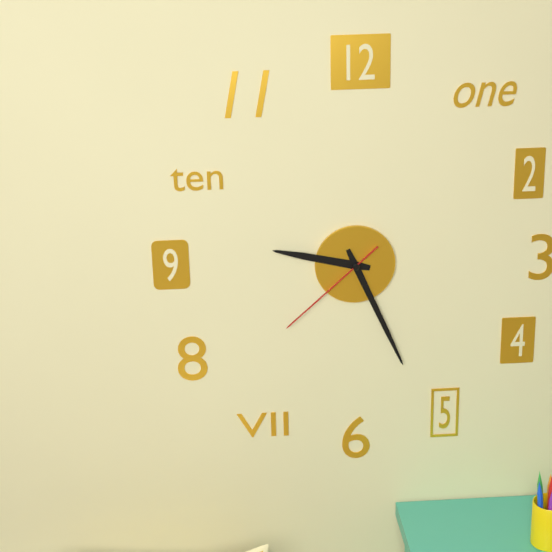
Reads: 9 h 26 min 38 s
